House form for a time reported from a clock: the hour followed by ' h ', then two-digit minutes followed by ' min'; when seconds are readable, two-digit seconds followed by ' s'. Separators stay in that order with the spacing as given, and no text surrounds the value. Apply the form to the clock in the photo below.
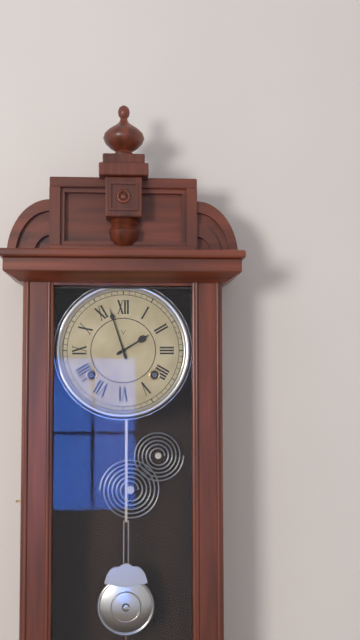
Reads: 1 h 57 min
